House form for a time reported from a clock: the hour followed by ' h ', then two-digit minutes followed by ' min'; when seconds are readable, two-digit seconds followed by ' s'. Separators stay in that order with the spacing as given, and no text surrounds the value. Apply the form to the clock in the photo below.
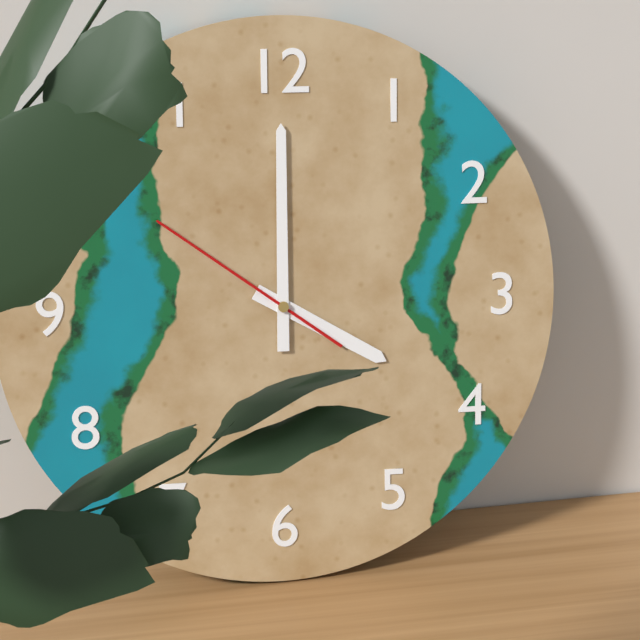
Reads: 4 h 00 min 51 s
